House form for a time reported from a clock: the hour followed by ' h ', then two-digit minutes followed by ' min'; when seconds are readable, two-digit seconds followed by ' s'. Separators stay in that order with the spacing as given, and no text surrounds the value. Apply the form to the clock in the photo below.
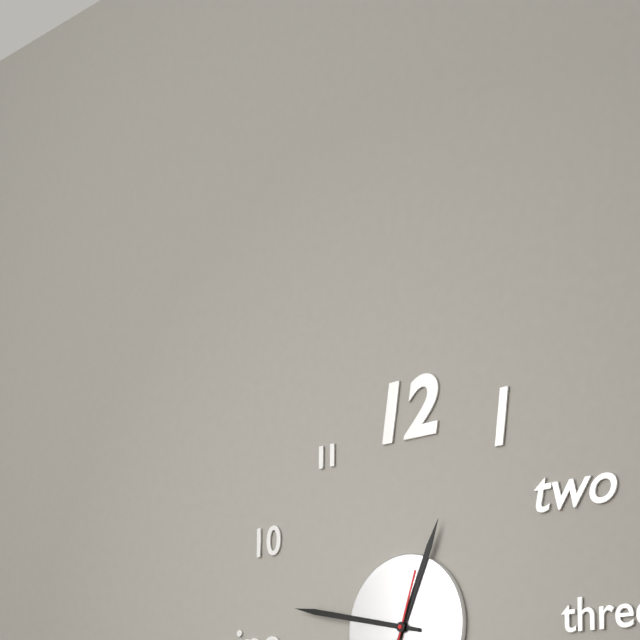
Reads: 12 h 47 min
